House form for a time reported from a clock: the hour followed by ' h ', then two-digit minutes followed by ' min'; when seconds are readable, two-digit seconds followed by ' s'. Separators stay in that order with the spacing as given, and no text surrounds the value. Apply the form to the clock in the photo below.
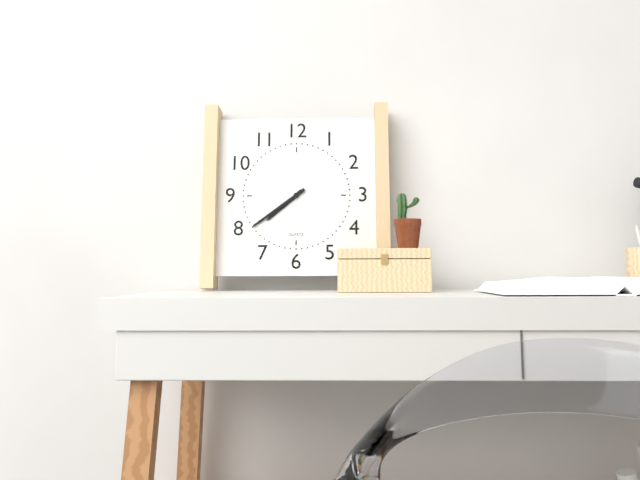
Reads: 7 h 39 min
